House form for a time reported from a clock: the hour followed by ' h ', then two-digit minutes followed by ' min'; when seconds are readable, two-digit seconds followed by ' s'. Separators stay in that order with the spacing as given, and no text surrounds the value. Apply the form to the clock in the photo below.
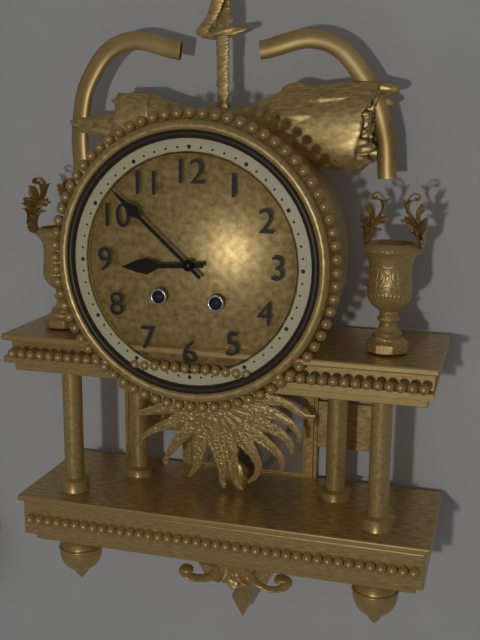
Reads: 8 h 52 min
